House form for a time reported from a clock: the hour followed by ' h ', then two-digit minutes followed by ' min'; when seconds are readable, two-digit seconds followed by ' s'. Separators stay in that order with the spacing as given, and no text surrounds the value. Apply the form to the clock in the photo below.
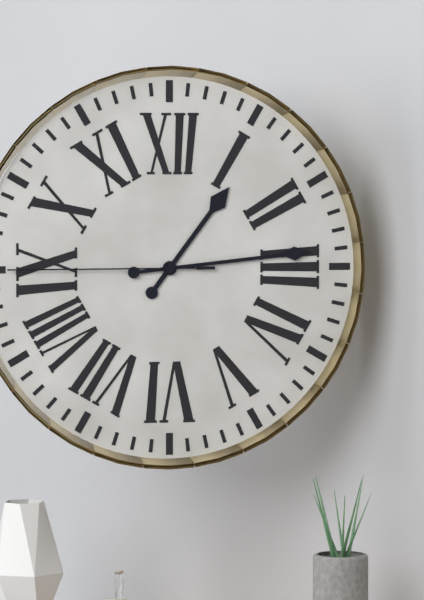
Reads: 1 h 14 min 45 s
